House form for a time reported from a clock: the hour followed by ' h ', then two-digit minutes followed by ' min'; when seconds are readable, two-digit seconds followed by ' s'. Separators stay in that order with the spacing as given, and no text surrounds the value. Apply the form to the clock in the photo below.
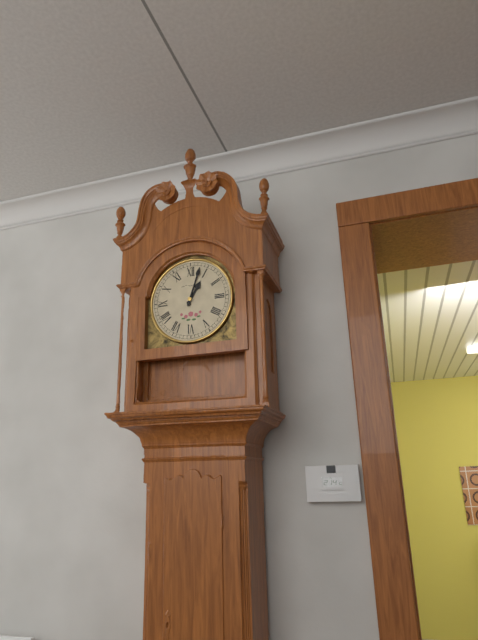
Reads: 1 h 03 min
